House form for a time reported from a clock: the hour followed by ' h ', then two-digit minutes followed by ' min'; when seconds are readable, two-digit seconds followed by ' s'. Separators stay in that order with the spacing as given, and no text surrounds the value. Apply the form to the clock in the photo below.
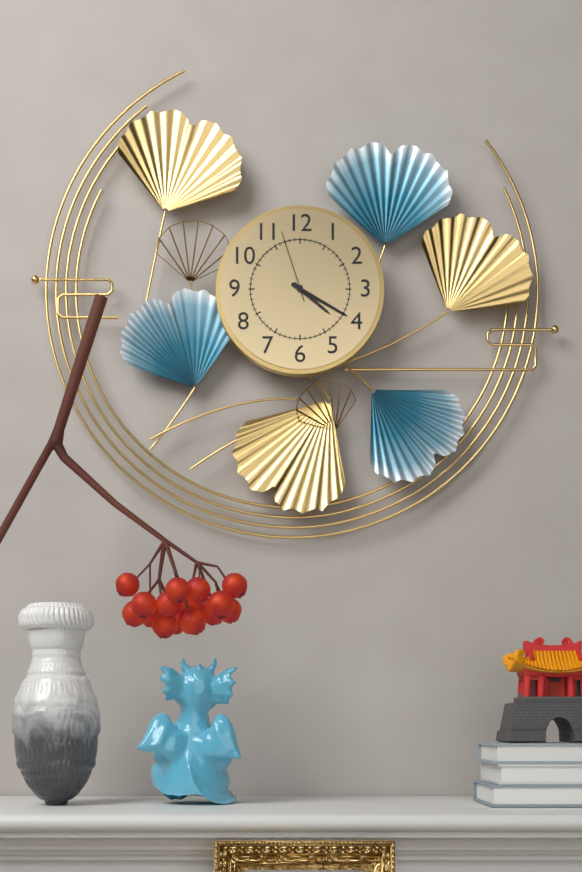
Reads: 4 h 20 min 57 s
